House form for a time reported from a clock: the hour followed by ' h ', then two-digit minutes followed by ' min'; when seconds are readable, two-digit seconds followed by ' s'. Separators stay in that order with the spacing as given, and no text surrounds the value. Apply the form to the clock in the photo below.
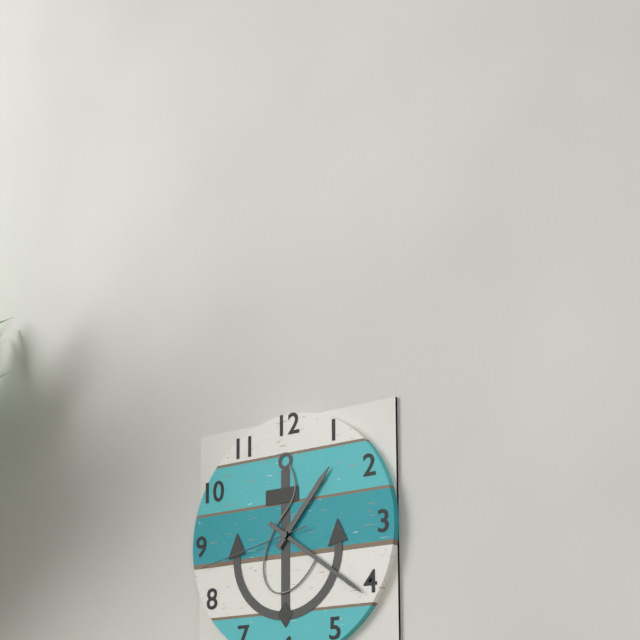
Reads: 1 h 21 min 43 s
